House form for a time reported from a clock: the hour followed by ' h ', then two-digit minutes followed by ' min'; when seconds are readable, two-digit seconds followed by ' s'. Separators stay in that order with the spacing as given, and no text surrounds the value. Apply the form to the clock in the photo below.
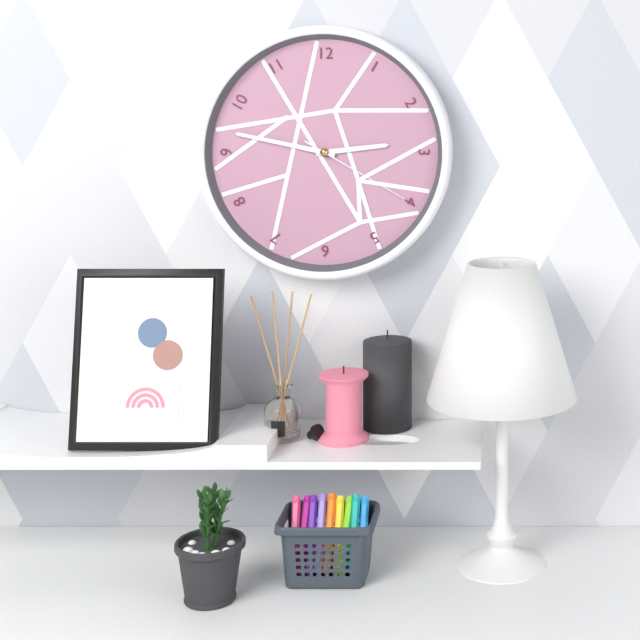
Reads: 2 h 47 min 20 s
